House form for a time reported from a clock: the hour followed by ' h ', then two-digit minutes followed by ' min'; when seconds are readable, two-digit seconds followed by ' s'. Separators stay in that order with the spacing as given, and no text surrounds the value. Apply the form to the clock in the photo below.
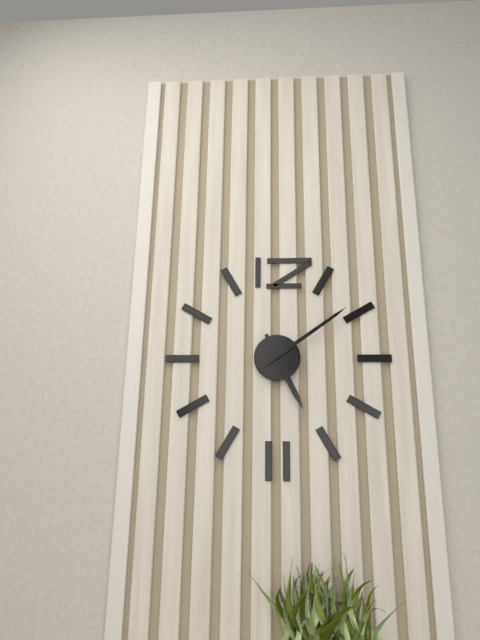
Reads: 5 h 09 min
